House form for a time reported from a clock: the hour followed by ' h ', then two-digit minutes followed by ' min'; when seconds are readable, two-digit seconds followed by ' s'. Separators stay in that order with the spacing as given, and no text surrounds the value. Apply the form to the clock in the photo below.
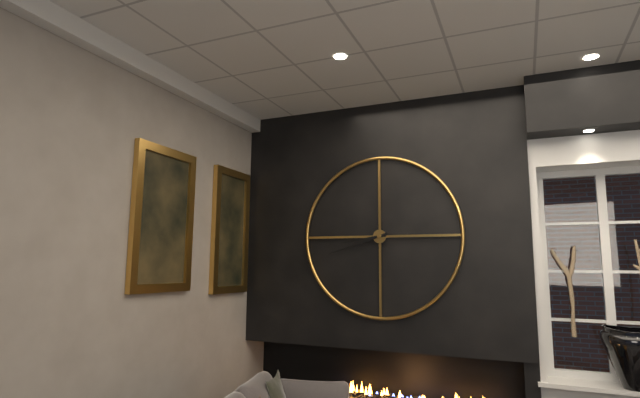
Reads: 8 h 42 min
